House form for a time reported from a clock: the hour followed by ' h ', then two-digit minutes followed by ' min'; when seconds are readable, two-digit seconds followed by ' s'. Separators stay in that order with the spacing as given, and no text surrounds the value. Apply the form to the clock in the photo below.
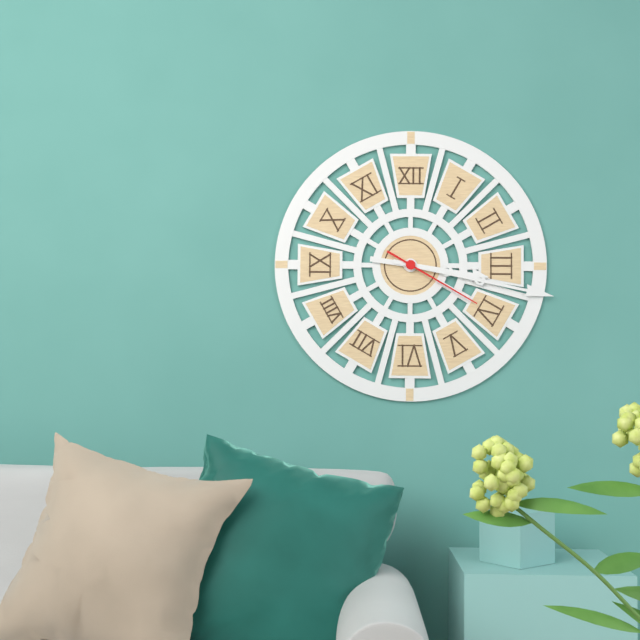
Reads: 3 h 17 min 20 s
